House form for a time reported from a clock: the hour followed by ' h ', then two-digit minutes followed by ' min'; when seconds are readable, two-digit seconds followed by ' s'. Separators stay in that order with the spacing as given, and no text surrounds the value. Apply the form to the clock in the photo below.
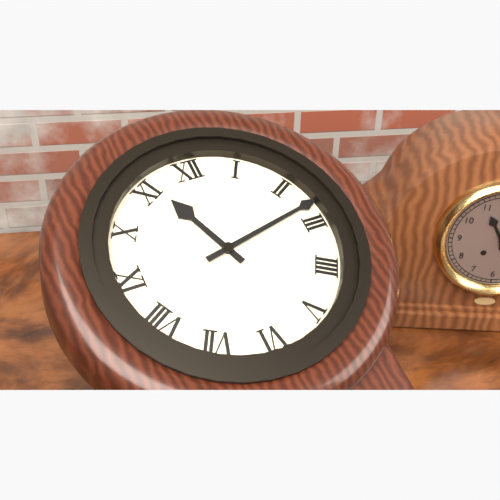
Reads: 11 h 13 min
